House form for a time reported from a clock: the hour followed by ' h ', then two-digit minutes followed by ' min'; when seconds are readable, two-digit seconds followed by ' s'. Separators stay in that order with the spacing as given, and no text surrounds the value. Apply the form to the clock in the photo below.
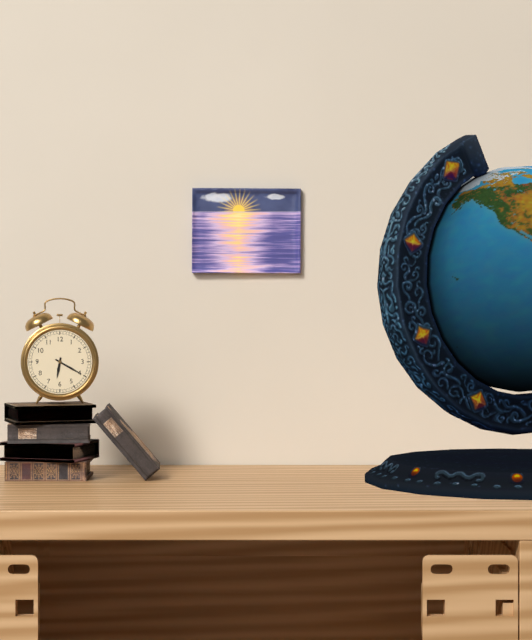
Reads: 6 h 20 min
